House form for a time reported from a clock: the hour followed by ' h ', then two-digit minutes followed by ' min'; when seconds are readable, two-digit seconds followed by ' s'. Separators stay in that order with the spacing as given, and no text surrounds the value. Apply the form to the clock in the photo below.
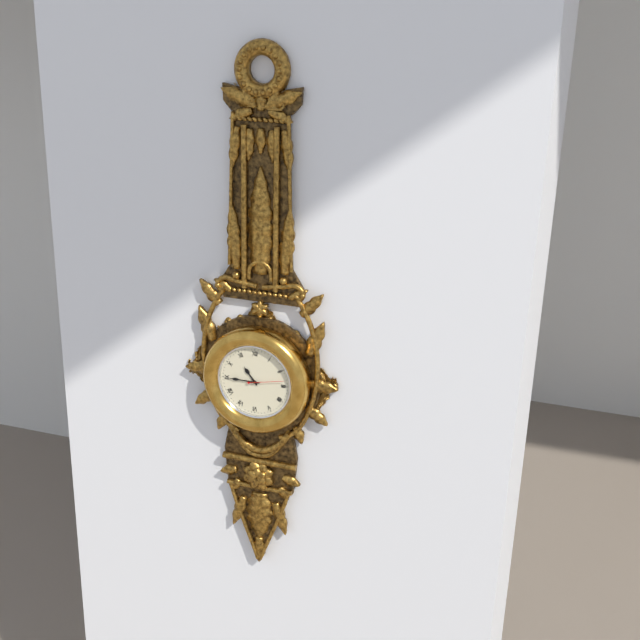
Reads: 10 h 45 min
